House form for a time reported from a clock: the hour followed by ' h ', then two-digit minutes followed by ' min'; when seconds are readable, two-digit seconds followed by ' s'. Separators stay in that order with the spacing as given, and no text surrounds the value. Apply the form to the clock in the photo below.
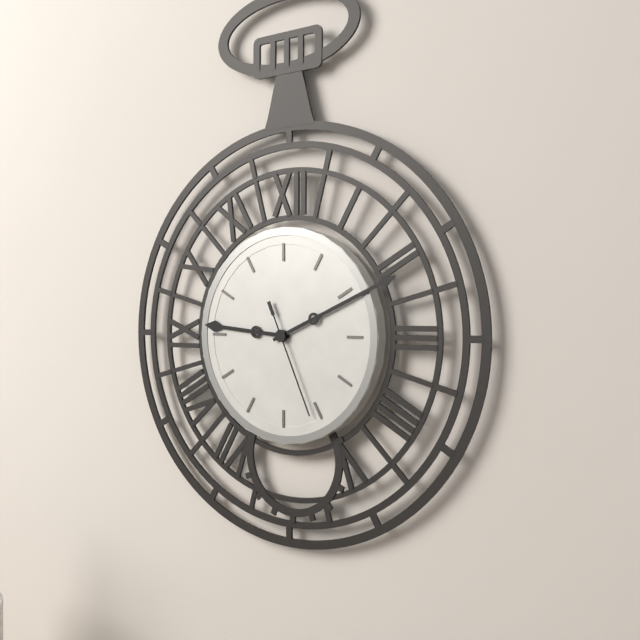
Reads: 9 h 11 min 26 s
